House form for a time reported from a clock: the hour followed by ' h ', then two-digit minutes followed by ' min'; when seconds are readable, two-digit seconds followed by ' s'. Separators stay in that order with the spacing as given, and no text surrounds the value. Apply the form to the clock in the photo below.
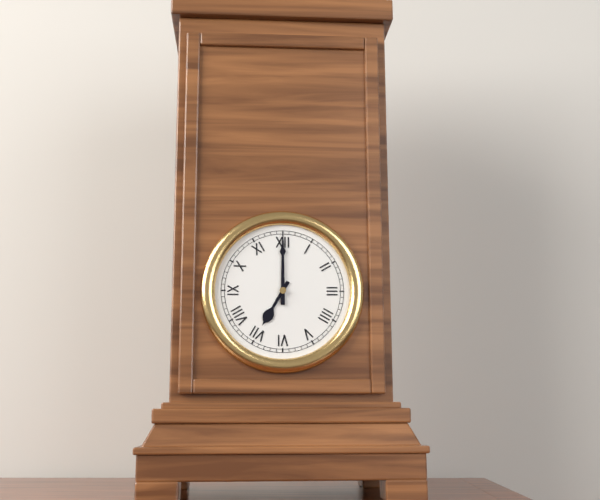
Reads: 7 h 00 min
